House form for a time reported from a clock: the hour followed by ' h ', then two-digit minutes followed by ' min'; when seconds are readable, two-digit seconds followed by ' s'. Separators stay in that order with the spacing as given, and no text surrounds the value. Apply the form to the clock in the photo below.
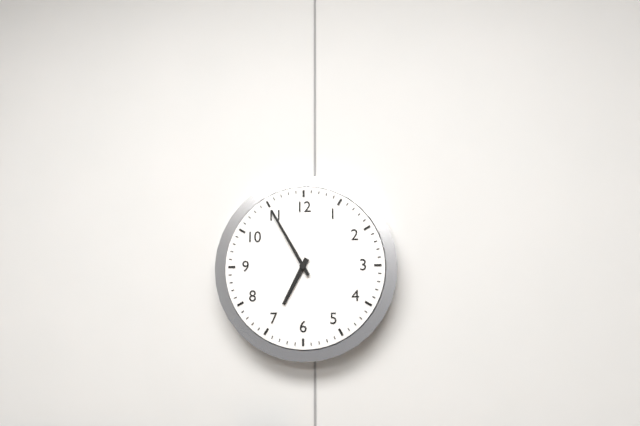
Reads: 6 h 55 min
